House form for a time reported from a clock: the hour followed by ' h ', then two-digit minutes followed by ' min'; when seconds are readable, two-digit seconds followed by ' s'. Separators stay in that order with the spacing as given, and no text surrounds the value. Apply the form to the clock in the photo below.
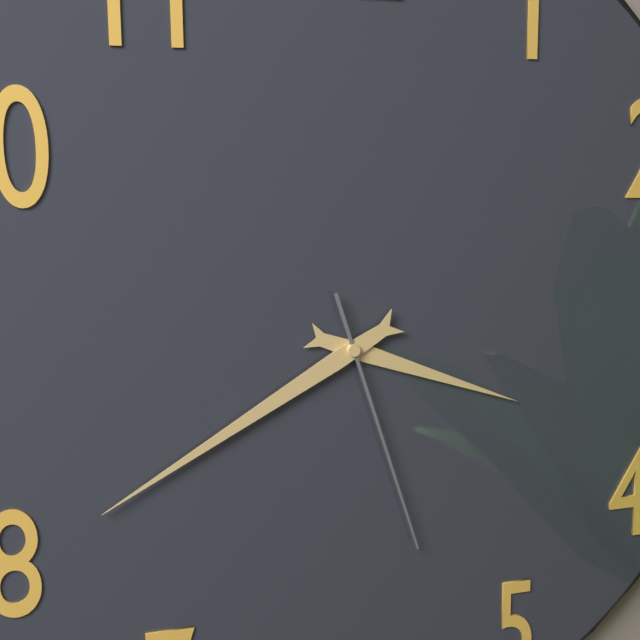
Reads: 3 h 40 min 27 s
